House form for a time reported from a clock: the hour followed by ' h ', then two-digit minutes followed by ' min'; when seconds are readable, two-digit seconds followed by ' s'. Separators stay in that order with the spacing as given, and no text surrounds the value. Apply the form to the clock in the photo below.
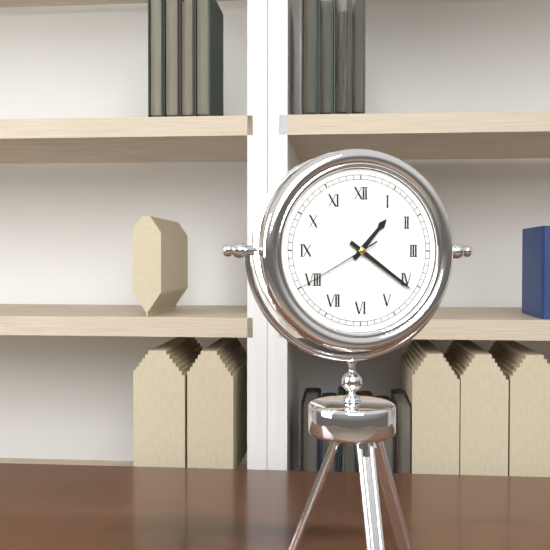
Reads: 1 h 21 min 40 s
